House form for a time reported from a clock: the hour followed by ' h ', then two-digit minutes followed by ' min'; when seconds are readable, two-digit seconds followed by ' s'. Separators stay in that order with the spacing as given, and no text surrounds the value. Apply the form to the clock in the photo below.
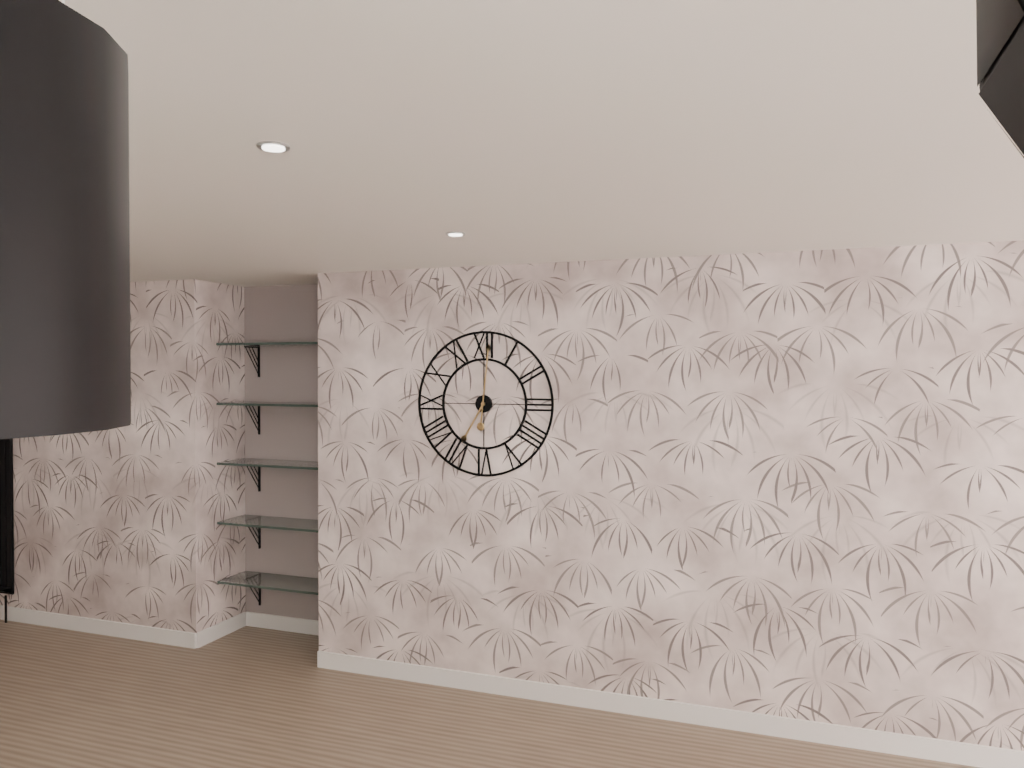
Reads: 7 h 01 min
